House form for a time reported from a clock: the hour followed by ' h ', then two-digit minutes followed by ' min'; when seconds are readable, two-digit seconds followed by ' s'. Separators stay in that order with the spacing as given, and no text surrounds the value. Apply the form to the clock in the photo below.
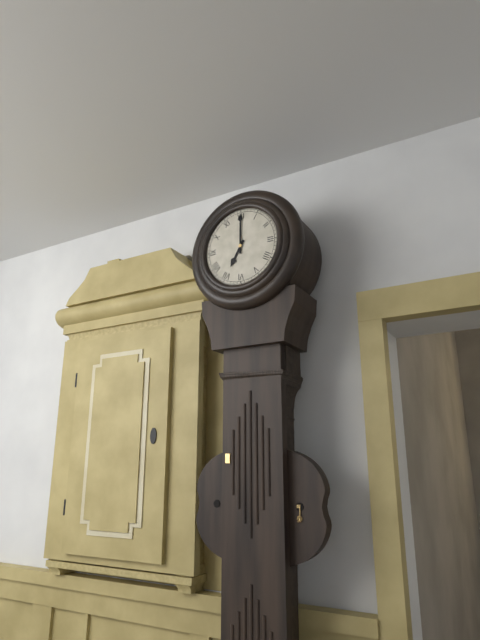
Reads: 7 h 00 min
